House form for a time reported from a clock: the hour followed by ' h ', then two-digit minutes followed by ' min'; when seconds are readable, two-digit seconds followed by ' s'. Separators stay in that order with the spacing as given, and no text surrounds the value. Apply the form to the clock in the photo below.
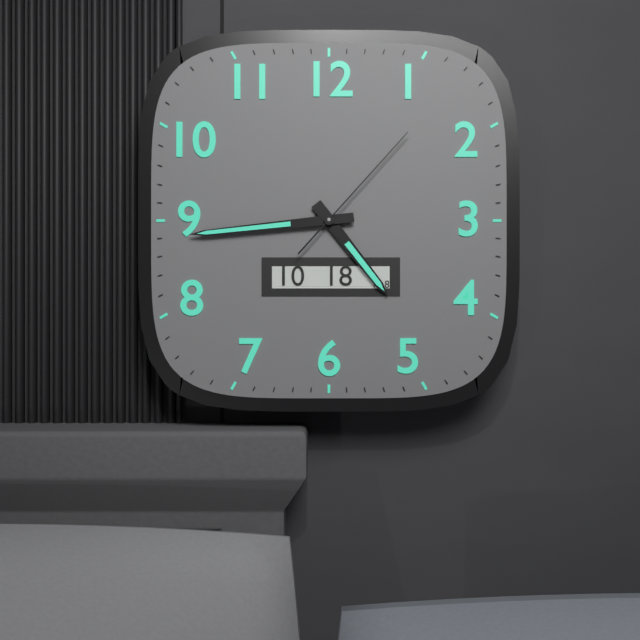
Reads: 4 h 44 min 07 s
